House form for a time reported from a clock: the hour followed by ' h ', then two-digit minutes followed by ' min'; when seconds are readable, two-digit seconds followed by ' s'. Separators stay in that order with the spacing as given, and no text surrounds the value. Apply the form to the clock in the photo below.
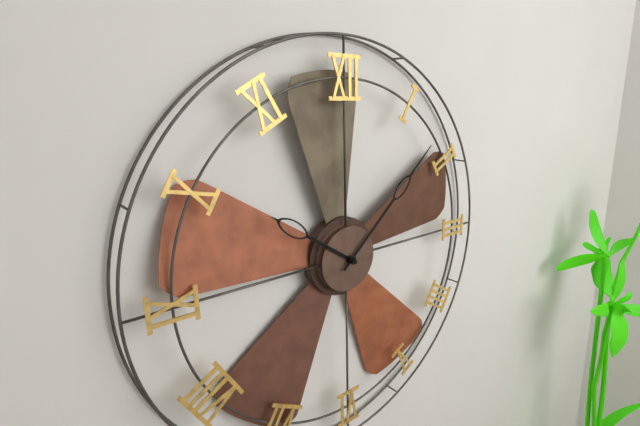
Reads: 10 h 08 min
